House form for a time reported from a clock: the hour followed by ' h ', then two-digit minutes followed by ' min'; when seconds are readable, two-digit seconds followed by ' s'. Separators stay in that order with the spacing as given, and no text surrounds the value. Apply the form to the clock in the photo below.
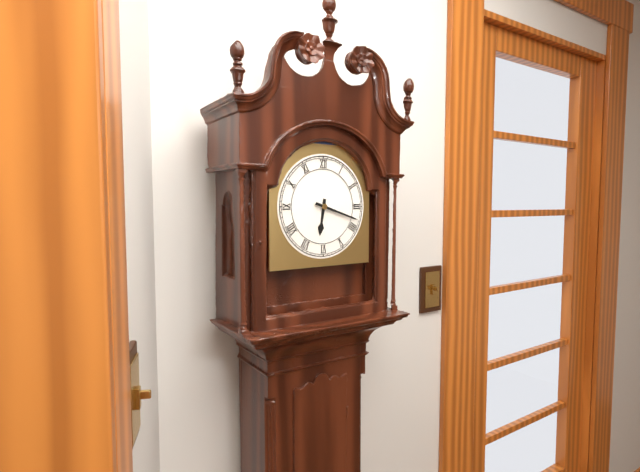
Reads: 6 h 18 min
